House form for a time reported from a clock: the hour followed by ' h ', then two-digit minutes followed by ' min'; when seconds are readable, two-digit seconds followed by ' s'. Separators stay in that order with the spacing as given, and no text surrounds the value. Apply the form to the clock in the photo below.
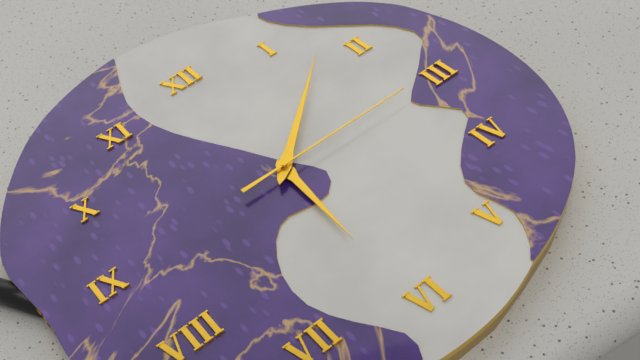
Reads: 6 h 08 min 15 s
